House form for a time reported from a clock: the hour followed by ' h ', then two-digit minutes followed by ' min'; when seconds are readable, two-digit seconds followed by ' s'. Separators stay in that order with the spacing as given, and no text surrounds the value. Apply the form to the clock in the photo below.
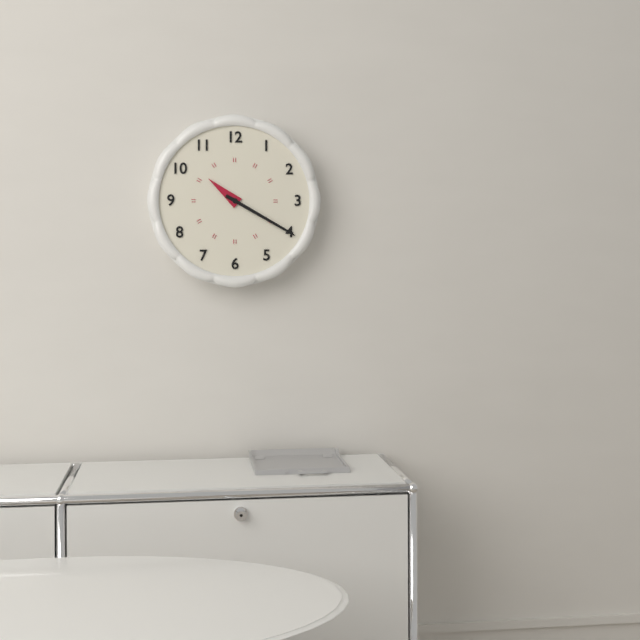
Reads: 10 h 20 min
